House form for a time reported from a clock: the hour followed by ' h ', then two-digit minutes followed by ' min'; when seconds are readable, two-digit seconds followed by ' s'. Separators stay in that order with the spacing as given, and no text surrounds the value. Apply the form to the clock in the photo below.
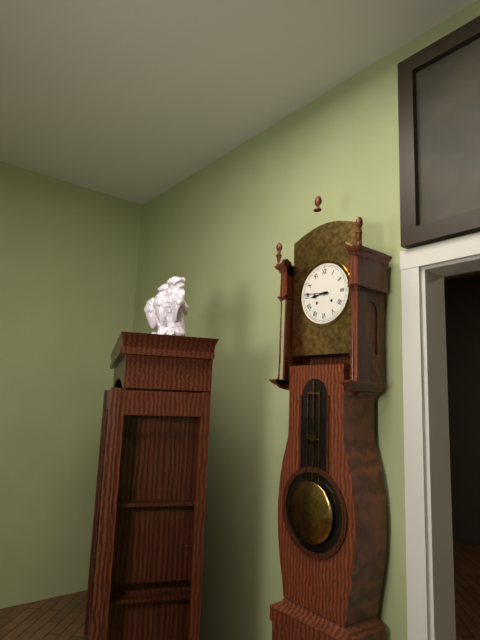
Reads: 8 h 46 min
